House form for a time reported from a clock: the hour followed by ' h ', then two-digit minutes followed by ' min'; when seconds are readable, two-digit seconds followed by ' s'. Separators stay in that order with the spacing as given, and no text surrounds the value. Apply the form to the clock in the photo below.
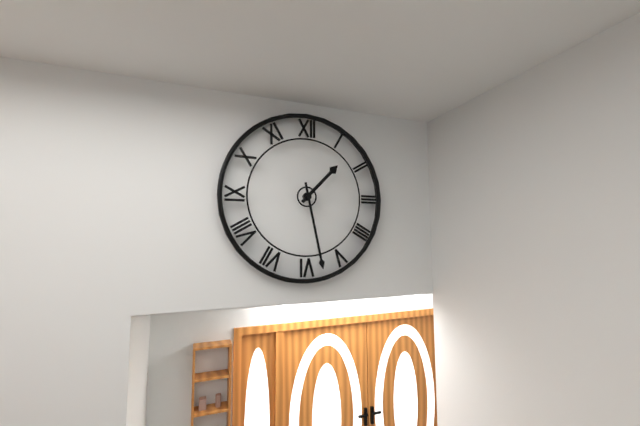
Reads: 1 h 28 min
